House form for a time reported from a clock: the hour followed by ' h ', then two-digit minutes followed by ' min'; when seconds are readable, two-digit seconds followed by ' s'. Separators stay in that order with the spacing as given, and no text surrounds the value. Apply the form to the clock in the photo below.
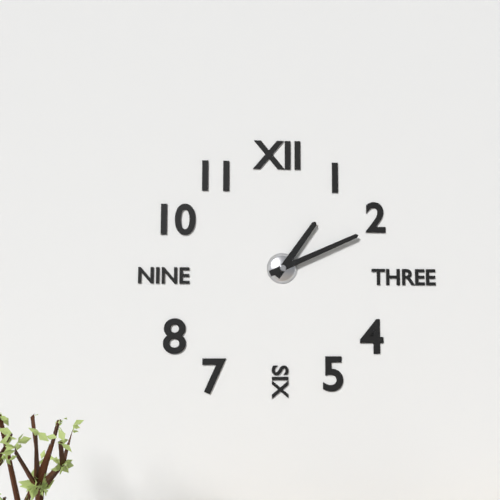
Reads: 1 h 11 min
